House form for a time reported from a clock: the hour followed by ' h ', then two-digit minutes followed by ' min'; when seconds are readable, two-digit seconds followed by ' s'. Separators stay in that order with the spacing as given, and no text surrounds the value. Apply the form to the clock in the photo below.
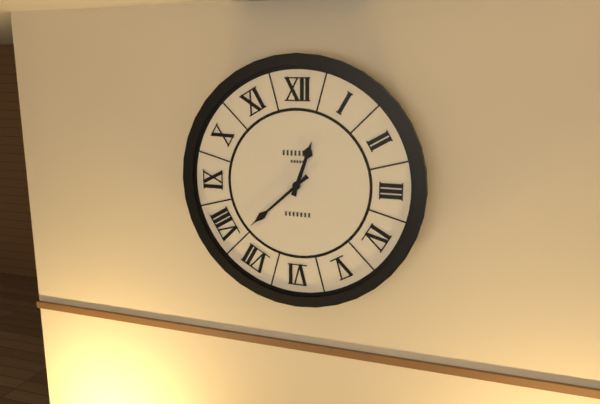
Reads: 12 h 38 min
